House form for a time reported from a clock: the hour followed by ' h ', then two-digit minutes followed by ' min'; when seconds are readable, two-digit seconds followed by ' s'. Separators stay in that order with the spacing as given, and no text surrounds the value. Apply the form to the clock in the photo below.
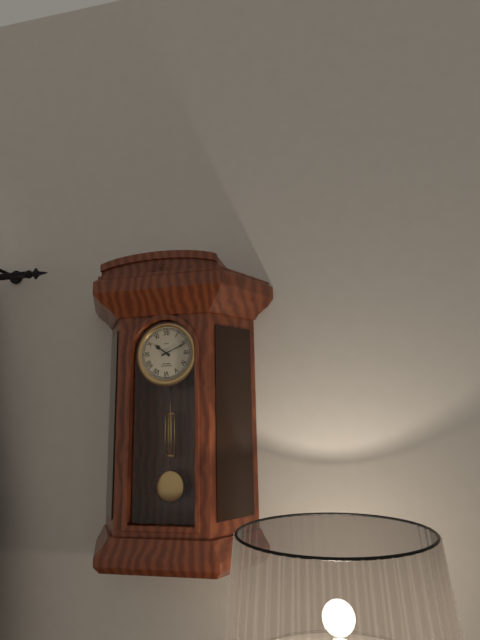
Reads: 10 h 11 min
